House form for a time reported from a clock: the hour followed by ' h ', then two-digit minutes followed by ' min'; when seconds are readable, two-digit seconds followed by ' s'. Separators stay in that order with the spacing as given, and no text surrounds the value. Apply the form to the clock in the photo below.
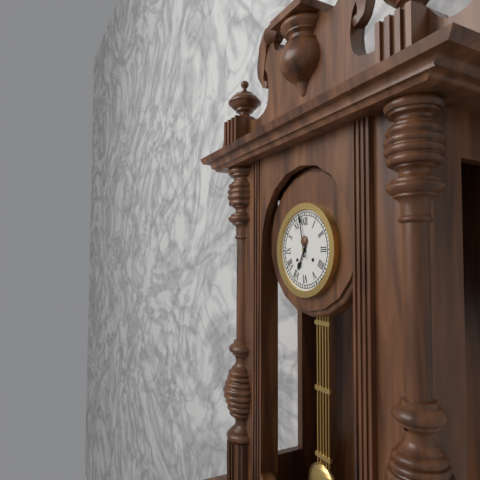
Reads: 6 h 58 min
